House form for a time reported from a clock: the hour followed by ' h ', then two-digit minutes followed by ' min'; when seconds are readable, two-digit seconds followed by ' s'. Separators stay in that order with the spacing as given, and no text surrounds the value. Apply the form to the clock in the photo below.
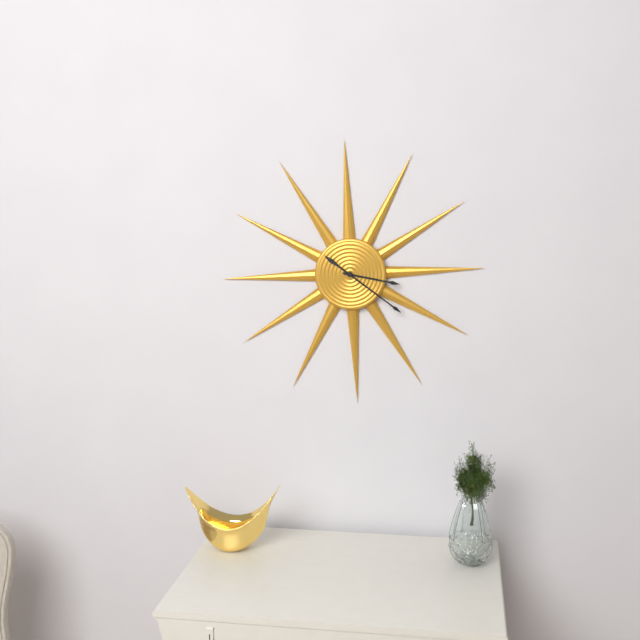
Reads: 3 h 21 min
